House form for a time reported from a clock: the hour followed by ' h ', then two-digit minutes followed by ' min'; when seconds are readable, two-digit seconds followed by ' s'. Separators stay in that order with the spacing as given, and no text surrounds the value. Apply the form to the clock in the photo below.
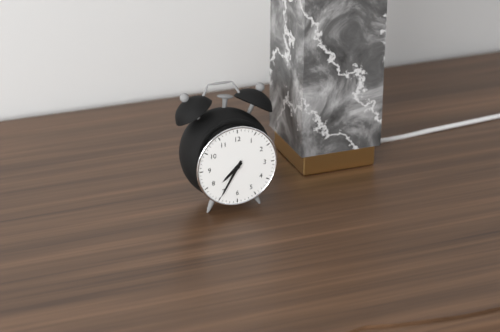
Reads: 7 h 35 min
